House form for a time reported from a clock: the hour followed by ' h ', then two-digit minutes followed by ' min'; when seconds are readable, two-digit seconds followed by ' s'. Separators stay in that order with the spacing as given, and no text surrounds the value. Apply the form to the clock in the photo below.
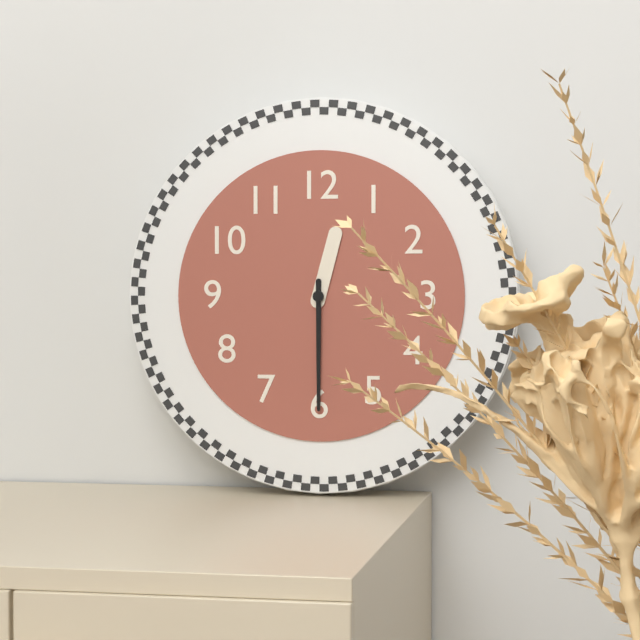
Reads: 12 h 30 min
